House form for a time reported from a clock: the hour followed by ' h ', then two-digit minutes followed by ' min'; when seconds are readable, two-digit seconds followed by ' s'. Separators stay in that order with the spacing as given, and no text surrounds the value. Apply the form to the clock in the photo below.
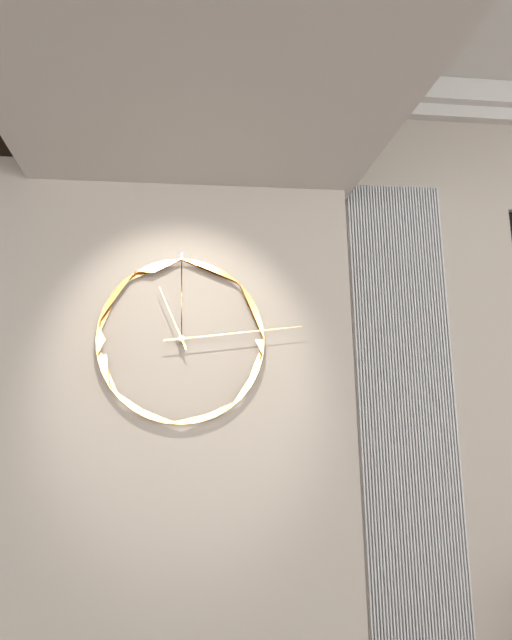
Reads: 11 h 14 min
